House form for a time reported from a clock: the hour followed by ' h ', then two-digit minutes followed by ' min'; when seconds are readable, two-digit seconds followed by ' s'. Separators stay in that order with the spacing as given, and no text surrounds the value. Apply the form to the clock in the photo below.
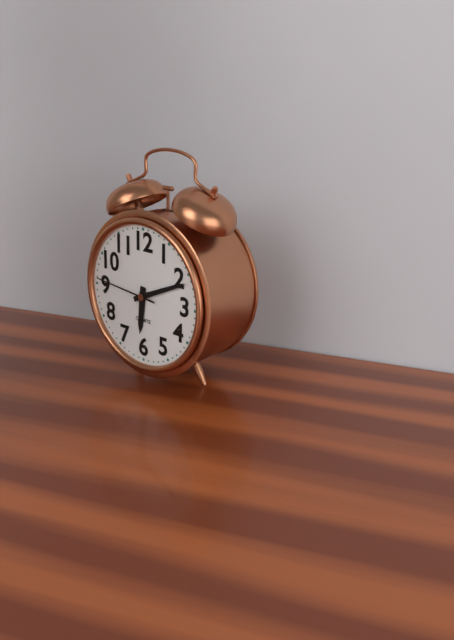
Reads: 6 h 11 min 46 s
